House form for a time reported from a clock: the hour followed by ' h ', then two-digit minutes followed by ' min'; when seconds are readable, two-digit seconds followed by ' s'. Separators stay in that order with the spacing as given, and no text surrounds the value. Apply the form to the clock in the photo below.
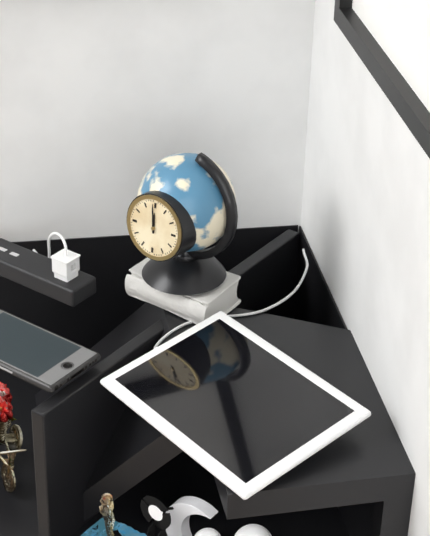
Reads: 11 h 59 min
